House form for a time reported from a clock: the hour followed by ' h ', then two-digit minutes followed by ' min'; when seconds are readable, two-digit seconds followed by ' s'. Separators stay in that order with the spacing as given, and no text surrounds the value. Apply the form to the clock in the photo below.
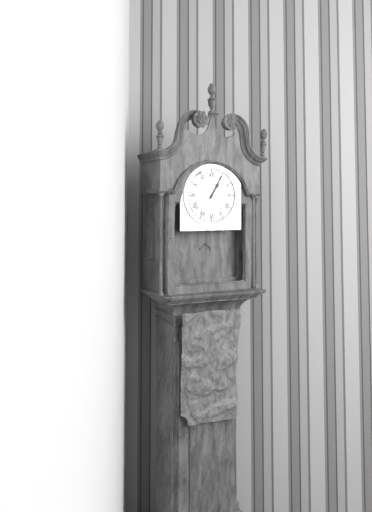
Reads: 1 h 05 min
